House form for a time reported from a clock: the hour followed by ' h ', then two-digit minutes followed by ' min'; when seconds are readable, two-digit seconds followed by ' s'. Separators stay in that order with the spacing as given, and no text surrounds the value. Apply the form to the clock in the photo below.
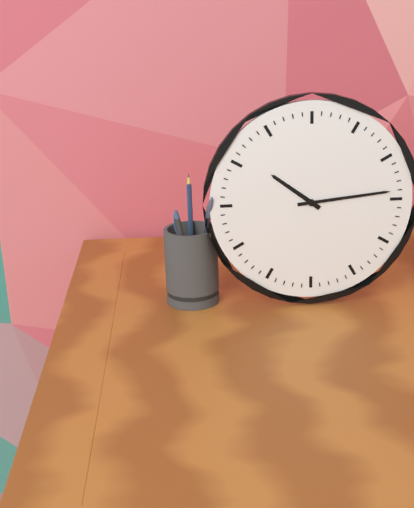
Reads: 10 h 14 min
